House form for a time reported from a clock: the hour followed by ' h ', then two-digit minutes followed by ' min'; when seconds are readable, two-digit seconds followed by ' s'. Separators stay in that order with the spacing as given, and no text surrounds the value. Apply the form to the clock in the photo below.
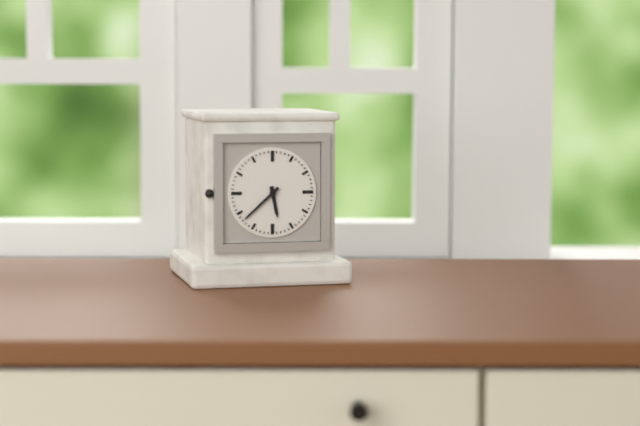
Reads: 5 h 38 min
